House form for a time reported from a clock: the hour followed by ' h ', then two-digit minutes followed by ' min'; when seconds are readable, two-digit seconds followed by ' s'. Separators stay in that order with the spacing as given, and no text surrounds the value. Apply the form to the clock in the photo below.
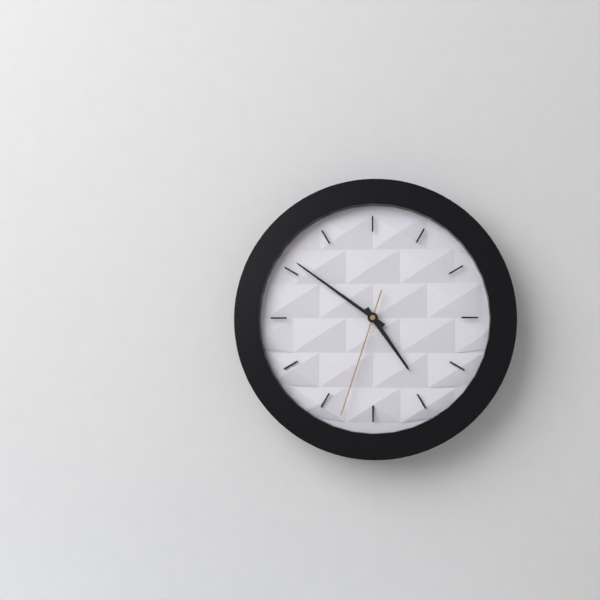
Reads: 4 h 51 min 33 s
